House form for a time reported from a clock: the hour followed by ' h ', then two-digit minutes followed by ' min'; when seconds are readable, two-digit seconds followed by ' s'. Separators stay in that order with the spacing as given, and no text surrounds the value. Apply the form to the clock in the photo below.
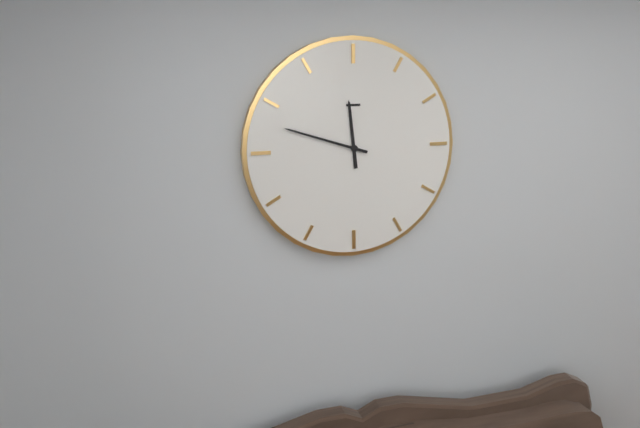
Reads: 11 h 48 min
